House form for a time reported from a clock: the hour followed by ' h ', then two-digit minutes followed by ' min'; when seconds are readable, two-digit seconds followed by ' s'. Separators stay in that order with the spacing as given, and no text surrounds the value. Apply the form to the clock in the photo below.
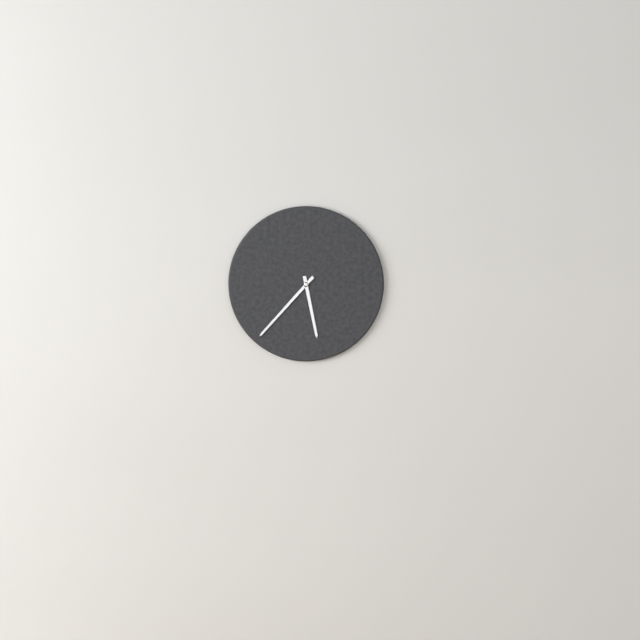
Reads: 5 h 37 min
